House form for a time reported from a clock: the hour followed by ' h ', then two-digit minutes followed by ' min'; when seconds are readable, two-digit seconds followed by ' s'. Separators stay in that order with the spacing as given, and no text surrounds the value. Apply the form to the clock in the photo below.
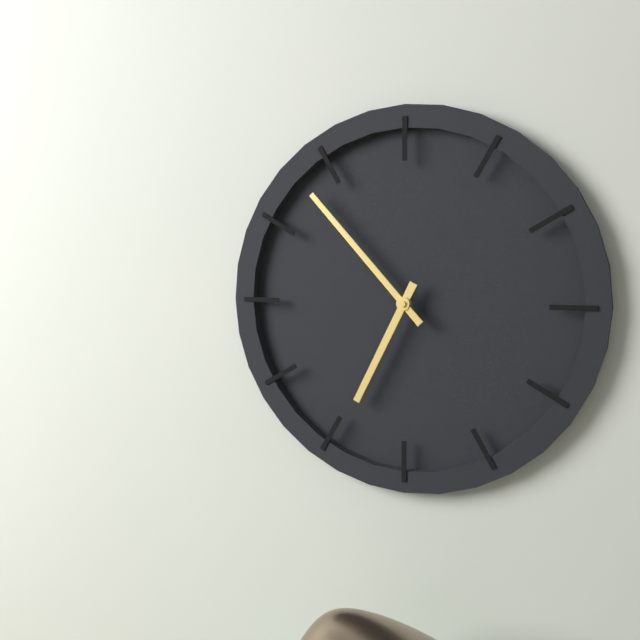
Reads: 6 h 53 min
